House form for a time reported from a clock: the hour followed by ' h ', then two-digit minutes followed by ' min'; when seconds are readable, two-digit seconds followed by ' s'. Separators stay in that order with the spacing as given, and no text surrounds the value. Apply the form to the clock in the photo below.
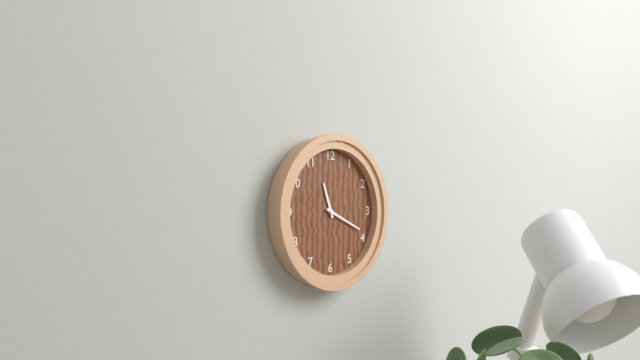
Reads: 11 h 19 min
